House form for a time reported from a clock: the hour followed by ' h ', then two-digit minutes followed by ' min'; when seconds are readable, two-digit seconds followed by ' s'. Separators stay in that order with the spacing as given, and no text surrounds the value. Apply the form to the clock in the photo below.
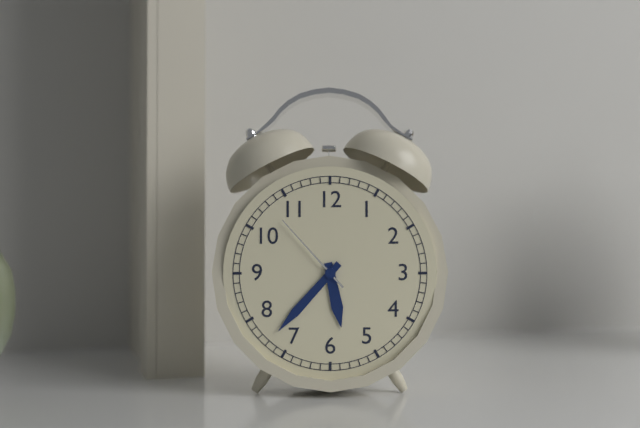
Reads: 5 h 37 min 53 s
